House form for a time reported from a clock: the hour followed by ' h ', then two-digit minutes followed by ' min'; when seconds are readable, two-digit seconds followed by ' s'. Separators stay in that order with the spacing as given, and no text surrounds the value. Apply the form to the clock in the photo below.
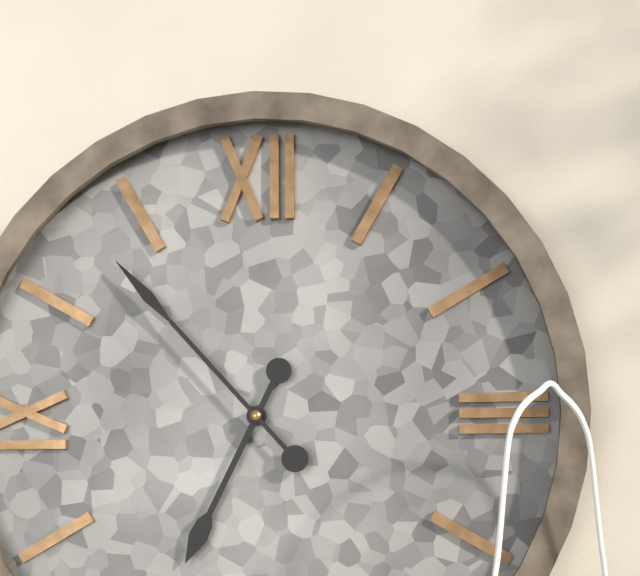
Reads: 6 h 53 min
